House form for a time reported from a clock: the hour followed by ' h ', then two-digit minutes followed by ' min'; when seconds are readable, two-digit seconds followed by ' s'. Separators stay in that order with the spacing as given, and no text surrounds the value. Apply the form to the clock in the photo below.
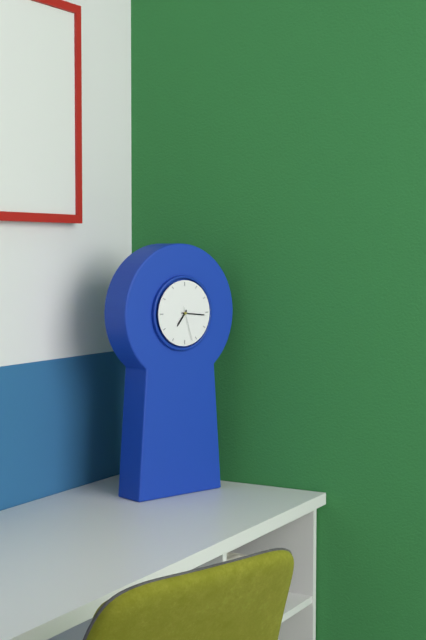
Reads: 7 h 16 min
